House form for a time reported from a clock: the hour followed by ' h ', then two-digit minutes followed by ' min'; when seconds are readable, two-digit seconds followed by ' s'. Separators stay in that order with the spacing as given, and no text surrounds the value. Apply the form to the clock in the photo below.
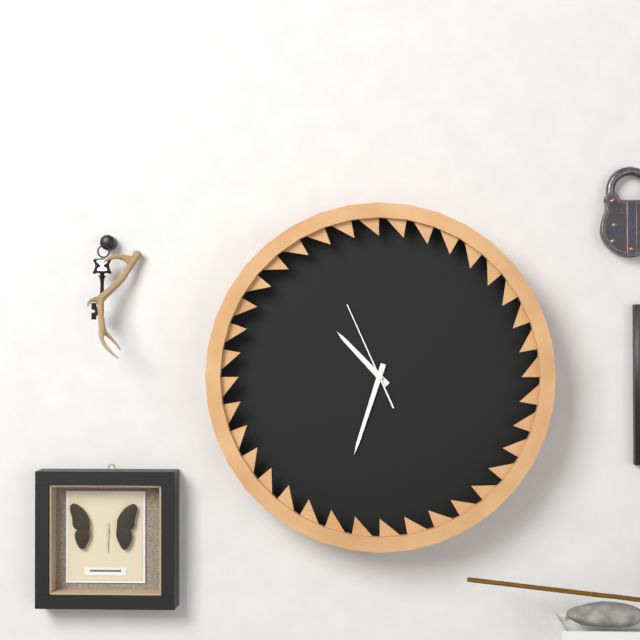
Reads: 10 h 33 min 56 s
